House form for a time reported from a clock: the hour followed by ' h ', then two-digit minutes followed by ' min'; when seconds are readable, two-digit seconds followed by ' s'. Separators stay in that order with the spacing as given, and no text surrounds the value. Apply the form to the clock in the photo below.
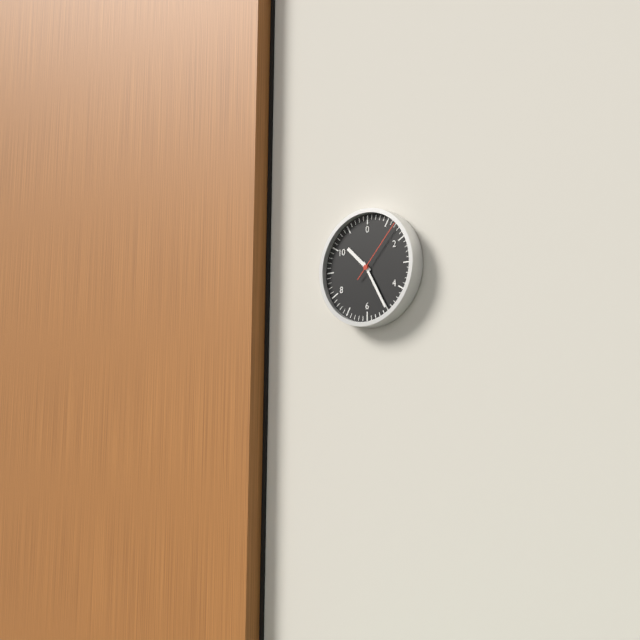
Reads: 10 h 25 min 07 s
